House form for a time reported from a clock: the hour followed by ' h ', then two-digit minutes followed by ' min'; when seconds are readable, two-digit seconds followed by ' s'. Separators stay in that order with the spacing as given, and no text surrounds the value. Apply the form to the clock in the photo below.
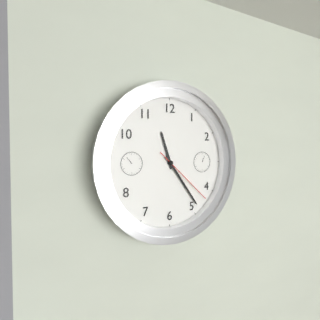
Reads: 11 h 24 min 22 s
